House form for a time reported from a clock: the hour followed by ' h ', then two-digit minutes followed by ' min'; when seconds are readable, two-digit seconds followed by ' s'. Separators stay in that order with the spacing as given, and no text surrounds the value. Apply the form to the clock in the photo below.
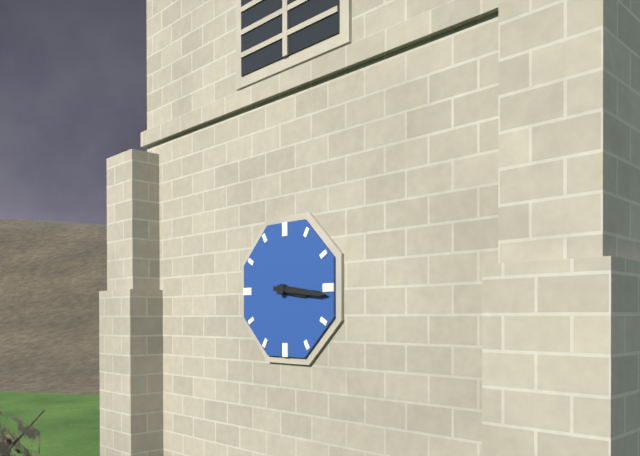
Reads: 3 h 16 min
